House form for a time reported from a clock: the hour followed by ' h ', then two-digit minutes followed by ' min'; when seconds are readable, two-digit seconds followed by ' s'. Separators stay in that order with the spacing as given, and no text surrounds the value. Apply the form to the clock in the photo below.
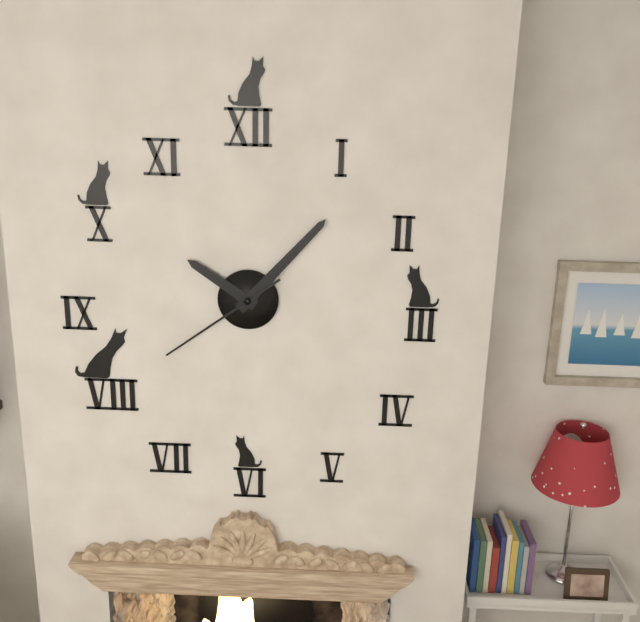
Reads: 10 h 07 min 39 s
